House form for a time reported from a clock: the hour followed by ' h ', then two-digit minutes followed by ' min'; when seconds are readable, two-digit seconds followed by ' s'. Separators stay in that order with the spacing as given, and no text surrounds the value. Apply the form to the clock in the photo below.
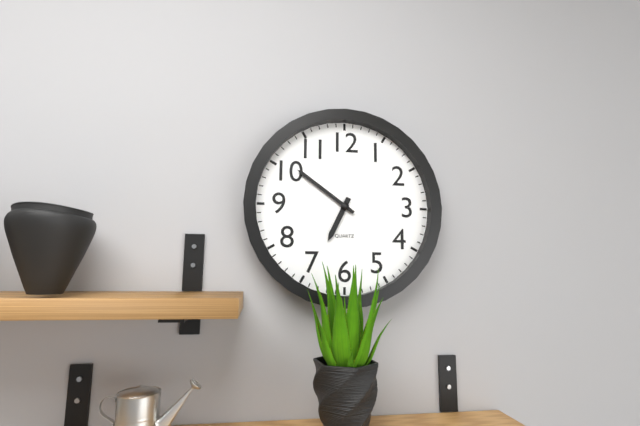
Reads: 6 h 51 min
